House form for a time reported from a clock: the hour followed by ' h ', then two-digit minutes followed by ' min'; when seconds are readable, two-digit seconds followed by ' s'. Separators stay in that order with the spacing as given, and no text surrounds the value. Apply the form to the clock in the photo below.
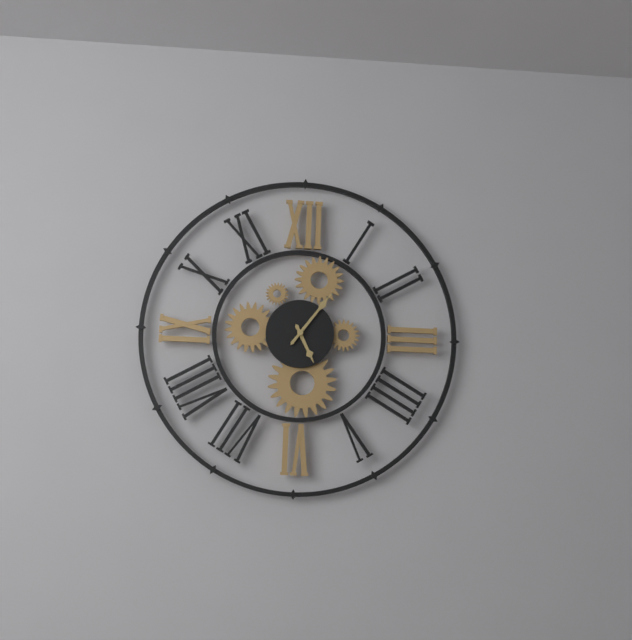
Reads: 5 h 06 min
